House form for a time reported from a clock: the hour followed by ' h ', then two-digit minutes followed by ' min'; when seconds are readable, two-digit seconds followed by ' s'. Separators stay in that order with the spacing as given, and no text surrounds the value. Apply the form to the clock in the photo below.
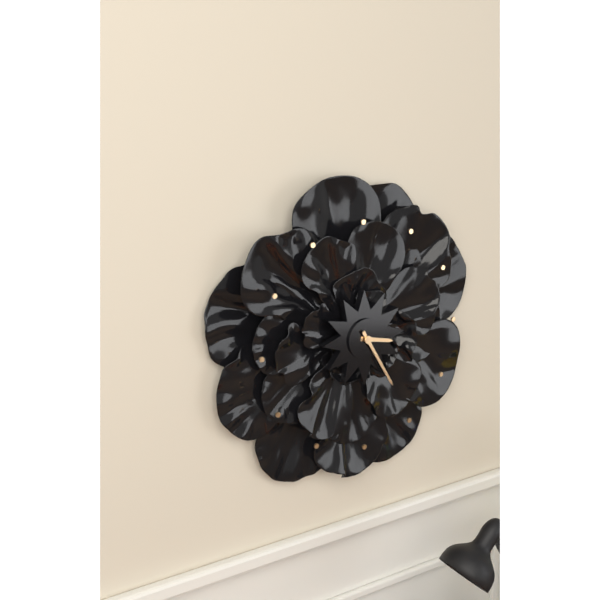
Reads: 3 h 25 min
